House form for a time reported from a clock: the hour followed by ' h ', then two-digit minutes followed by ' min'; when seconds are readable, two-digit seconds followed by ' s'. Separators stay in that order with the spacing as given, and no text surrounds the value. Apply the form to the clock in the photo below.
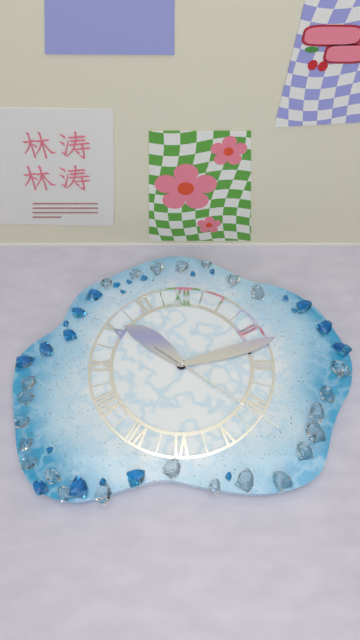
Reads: 10 h 12 min 21 s
